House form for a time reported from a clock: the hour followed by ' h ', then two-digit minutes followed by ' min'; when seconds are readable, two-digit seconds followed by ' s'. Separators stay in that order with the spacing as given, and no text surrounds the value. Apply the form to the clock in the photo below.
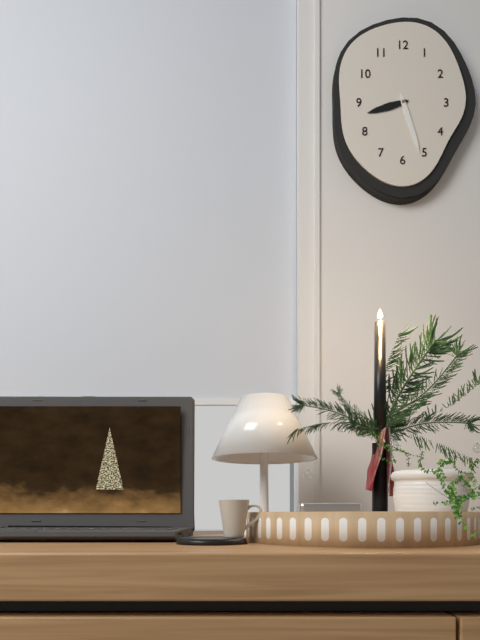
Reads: 8 h 27 min
